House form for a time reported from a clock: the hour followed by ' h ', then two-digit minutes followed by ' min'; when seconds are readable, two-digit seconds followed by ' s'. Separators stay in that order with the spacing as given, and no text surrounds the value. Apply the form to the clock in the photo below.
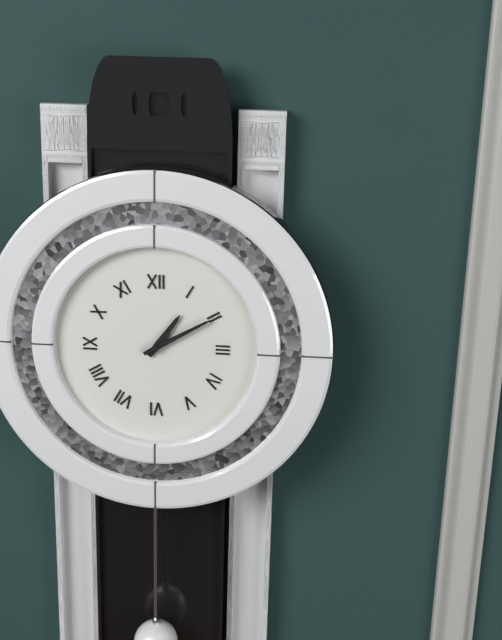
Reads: 1 h 10 min
